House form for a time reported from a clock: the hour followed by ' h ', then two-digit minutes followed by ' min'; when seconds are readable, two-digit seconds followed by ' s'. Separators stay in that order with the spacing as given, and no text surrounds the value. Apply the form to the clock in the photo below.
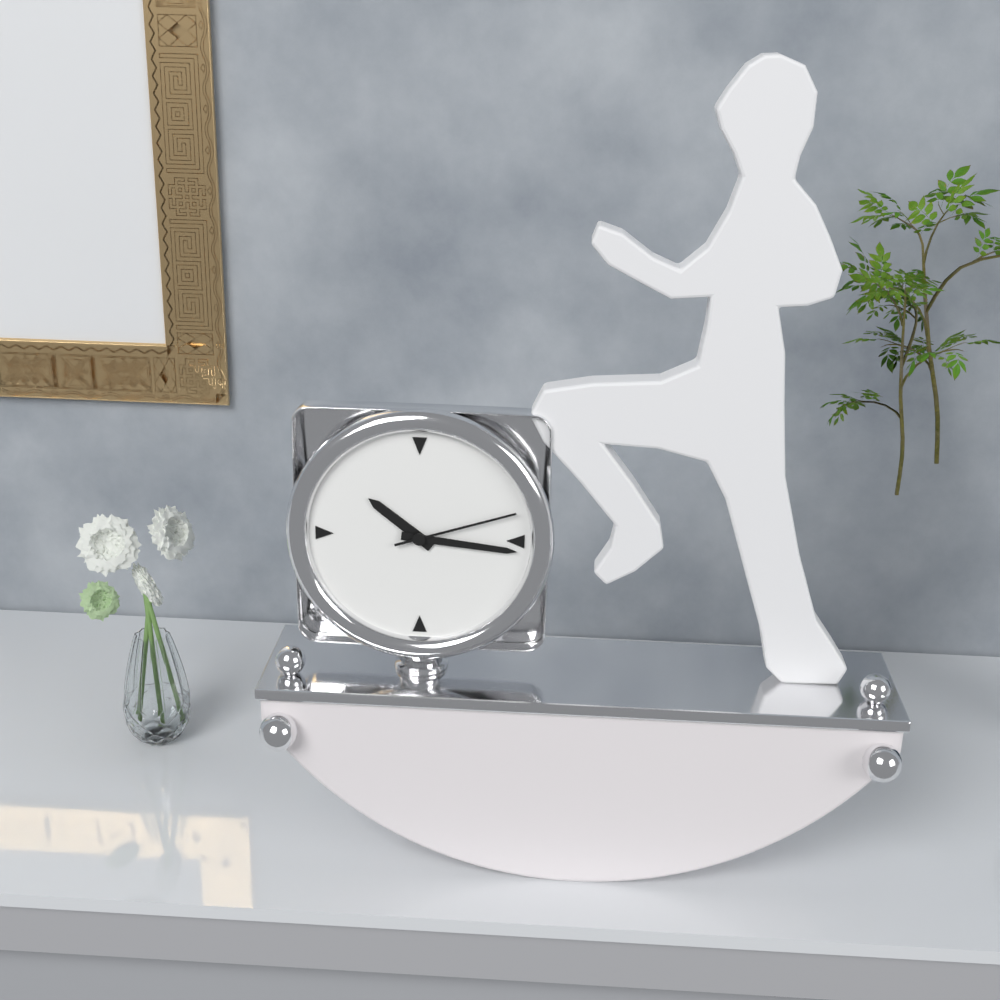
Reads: 10 h 16 min 12 s
